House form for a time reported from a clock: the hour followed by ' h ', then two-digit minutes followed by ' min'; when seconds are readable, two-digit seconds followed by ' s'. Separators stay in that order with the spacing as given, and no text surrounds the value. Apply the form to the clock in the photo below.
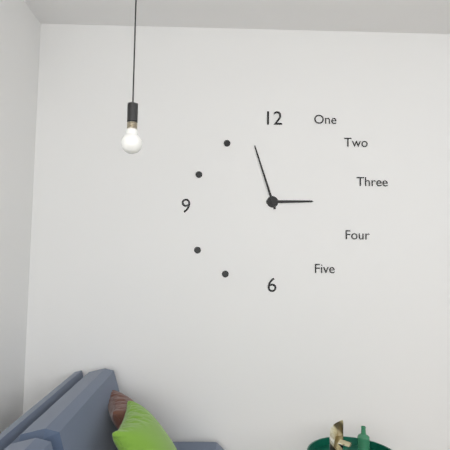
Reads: 2 h 57 min
